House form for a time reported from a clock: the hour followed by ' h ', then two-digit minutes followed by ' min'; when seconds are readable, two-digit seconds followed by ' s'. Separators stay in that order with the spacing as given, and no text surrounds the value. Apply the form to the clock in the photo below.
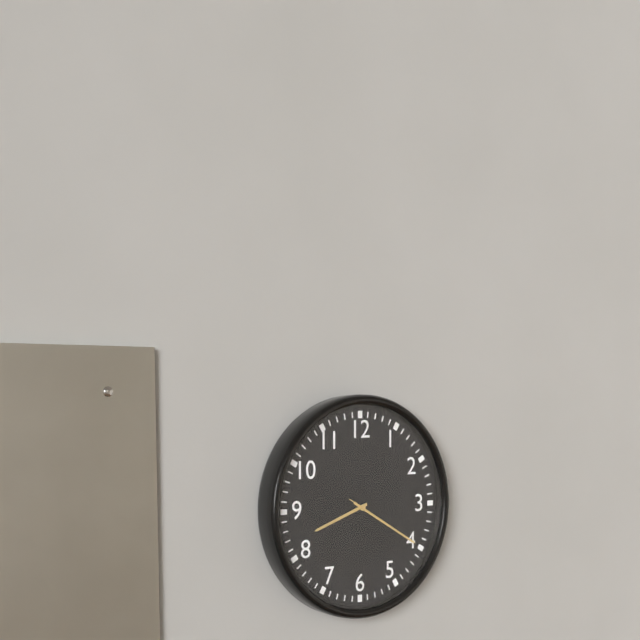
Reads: 8 h 20 min 20 s
